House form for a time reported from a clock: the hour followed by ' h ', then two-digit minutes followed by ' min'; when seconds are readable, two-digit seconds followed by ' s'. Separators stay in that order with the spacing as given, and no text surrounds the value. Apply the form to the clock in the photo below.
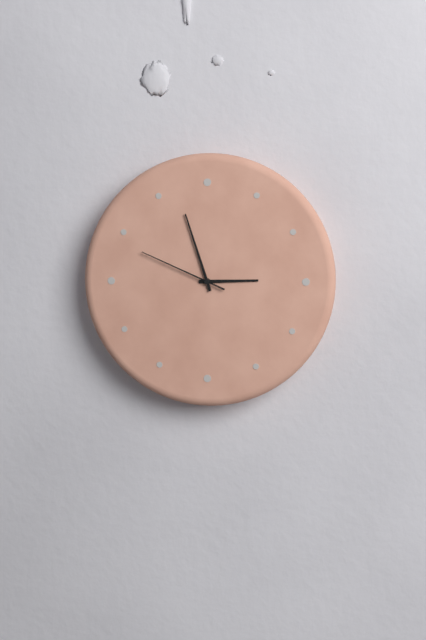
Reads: 2 h 57 min 49 s
